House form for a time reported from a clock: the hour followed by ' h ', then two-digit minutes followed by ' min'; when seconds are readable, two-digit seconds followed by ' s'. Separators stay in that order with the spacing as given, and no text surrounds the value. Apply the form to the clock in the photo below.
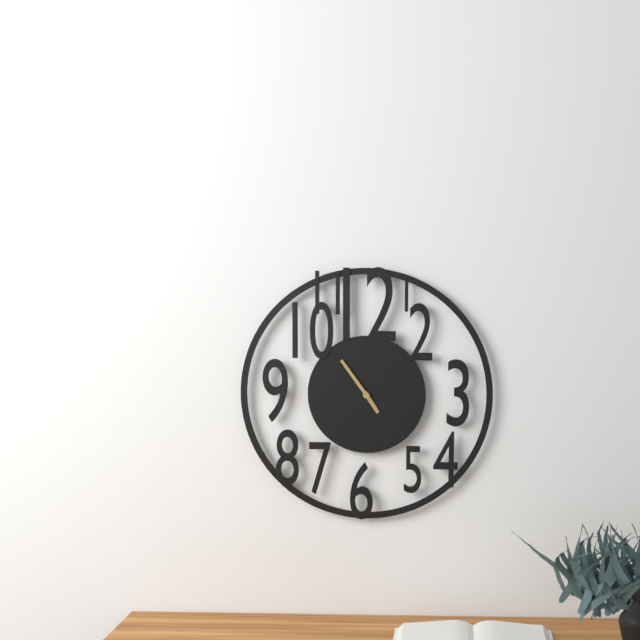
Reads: 4 h 54 min
